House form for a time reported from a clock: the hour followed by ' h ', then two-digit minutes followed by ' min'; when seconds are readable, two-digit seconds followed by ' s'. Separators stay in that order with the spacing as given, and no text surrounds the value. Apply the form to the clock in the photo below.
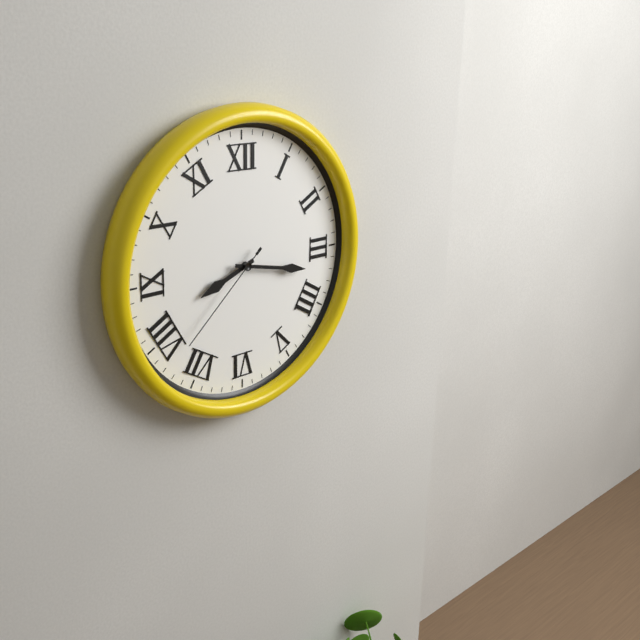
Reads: 8 h 17 min 38 s
